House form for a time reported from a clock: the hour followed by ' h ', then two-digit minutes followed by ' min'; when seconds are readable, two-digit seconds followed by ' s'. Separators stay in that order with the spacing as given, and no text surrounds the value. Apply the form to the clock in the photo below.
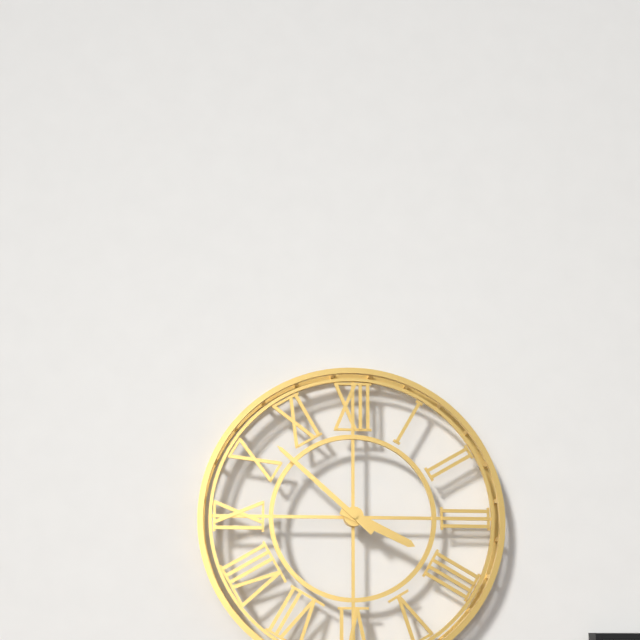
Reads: 3 h 52 min
